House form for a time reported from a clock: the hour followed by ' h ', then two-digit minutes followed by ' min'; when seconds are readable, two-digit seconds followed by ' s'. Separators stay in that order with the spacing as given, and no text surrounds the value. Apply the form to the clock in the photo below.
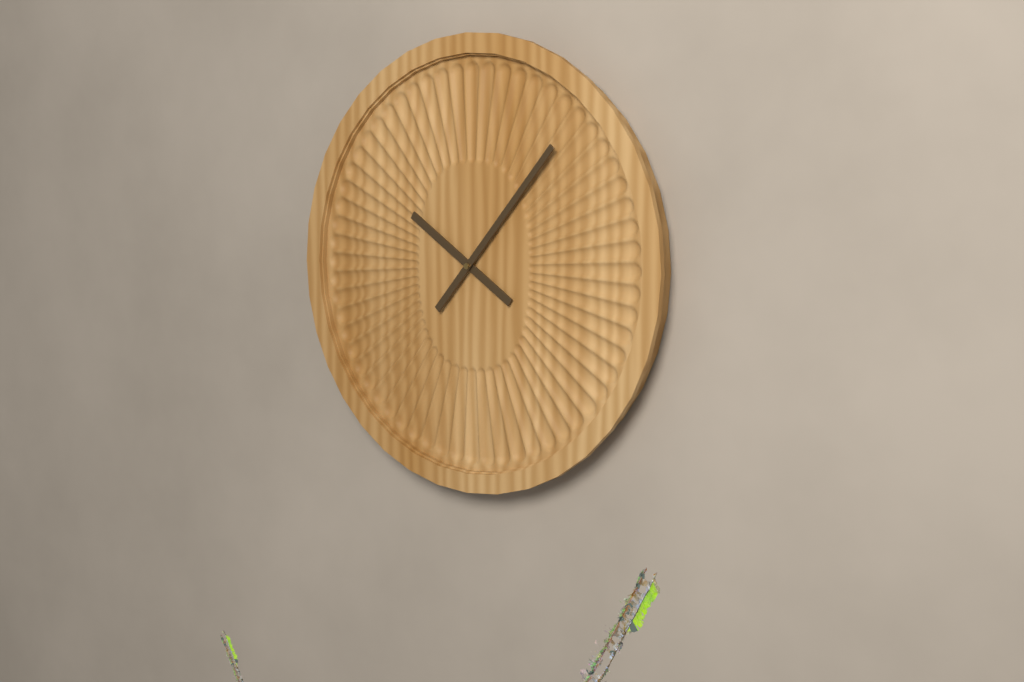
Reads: 10 h 07 min
